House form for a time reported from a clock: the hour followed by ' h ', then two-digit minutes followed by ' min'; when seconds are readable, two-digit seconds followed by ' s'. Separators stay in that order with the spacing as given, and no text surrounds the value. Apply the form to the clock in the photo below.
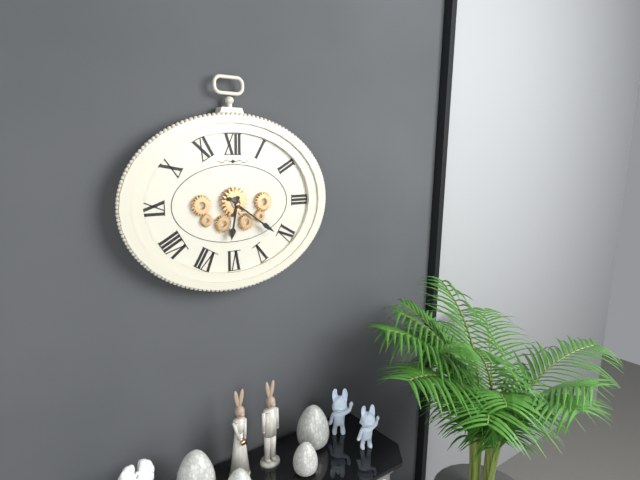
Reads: 6 h 21 min
